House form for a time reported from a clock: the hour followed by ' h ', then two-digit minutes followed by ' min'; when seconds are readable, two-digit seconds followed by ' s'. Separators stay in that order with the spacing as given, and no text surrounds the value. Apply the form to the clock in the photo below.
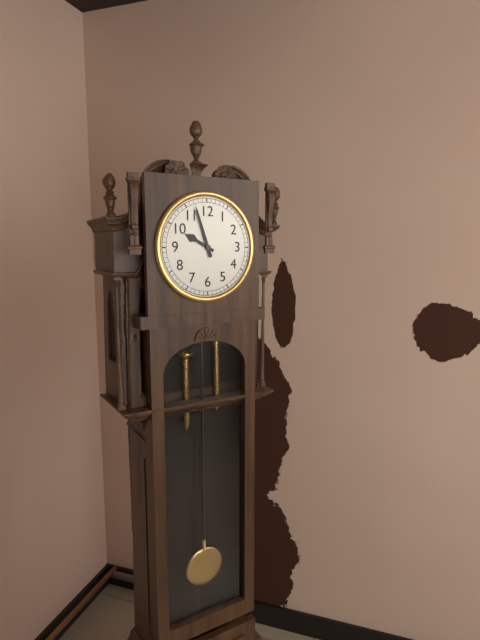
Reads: 9 h 57 min
